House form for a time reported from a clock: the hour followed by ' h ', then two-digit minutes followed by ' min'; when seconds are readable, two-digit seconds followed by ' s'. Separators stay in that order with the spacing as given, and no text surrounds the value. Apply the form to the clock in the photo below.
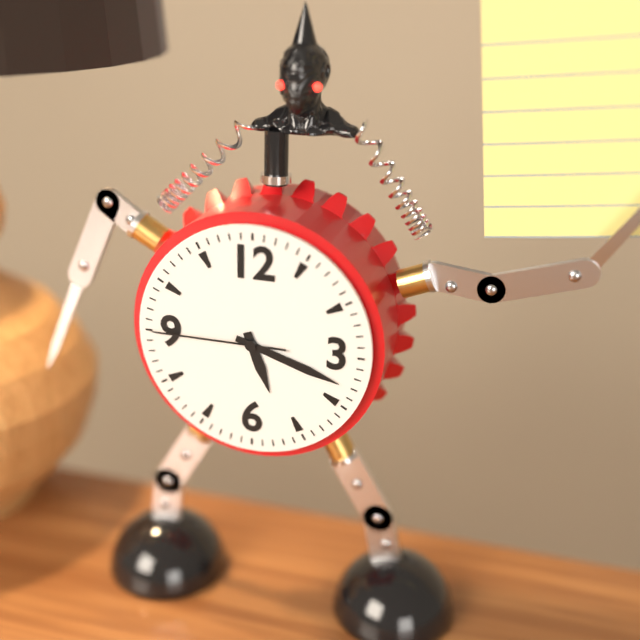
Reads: 5 h 18 min 45 s
